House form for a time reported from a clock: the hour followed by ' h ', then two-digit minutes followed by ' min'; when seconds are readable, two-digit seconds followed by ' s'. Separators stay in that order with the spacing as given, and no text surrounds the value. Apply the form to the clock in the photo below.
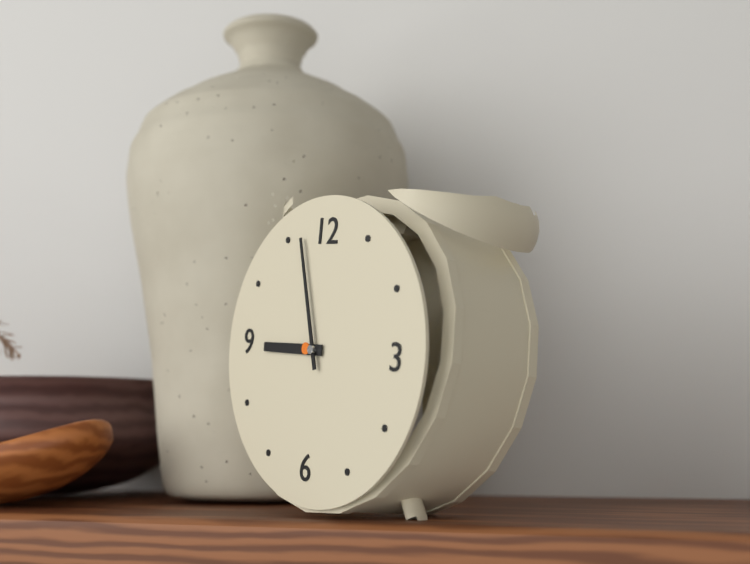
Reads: 8 h 57 min
